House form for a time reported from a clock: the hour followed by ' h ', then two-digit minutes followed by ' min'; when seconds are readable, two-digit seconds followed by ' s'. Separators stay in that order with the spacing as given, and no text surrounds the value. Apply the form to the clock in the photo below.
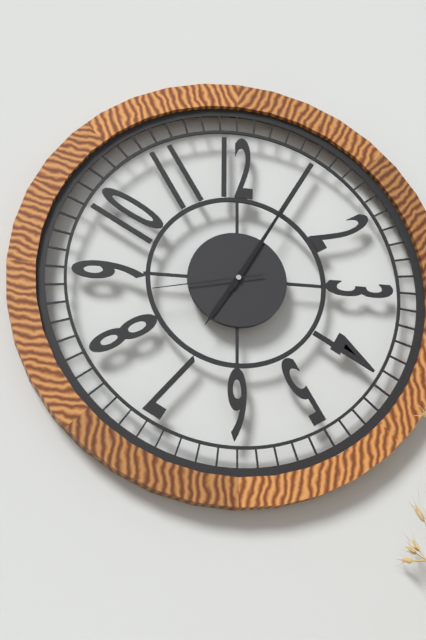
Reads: 7 h 05 min 43 s
